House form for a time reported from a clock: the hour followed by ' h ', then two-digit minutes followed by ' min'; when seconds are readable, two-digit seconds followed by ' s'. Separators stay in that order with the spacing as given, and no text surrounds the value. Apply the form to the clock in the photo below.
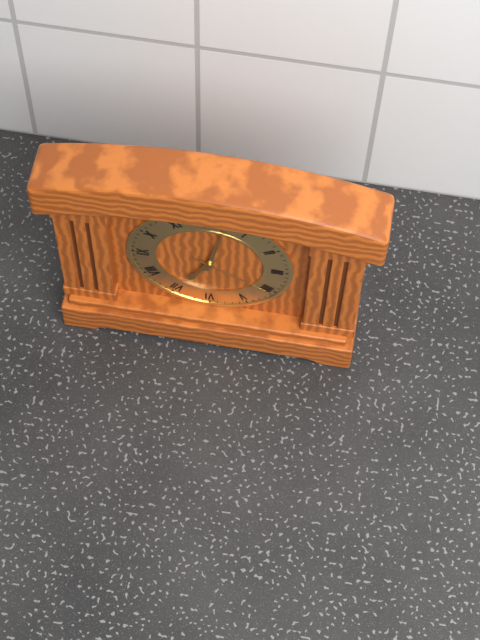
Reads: 7 h 02 min 20 s
